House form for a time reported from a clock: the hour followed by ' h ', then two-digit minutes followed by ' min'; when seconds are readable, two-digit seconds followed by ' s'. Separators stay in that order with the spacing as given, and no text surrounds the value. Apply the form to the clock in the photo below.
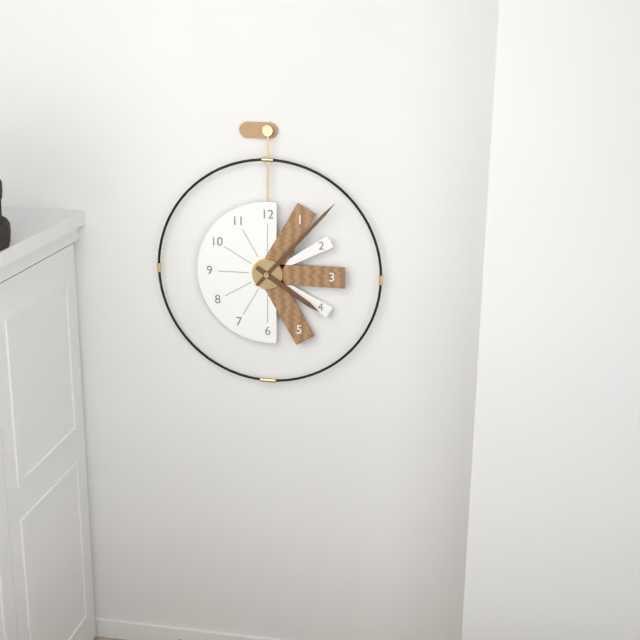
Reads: 4 h 07 min
